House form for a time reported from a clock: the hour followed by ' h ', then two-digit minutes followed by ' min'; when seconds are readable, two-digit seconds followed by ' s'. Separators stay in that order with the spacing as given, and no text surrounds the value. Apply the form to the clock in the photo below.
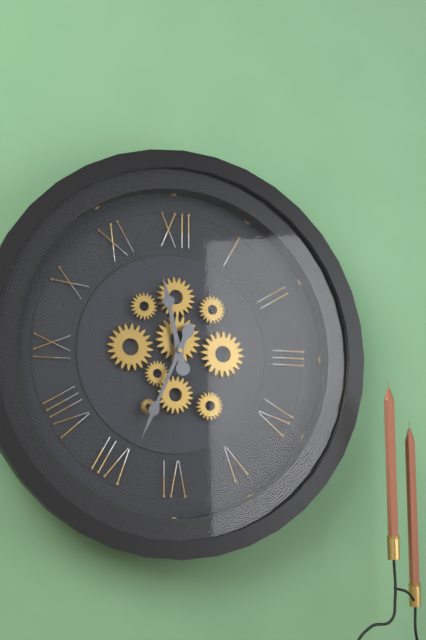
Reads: 11 h 34 min
